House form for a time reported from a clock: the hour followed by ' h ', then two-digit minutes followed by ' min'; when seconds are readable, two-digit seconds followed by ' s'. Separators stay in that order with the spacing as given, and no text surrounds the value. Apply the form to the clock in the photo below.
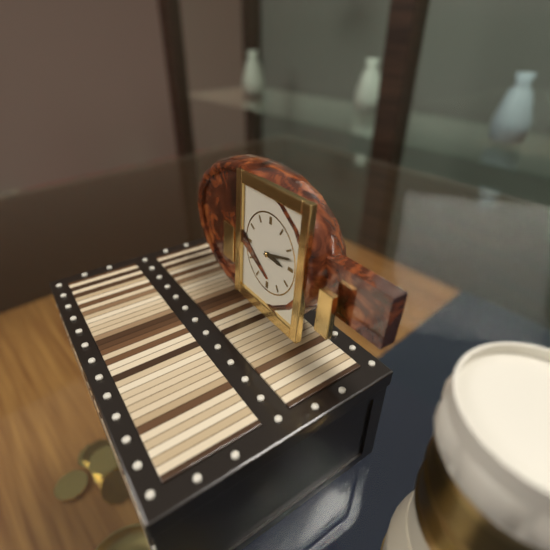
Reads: 3 h 12 min
